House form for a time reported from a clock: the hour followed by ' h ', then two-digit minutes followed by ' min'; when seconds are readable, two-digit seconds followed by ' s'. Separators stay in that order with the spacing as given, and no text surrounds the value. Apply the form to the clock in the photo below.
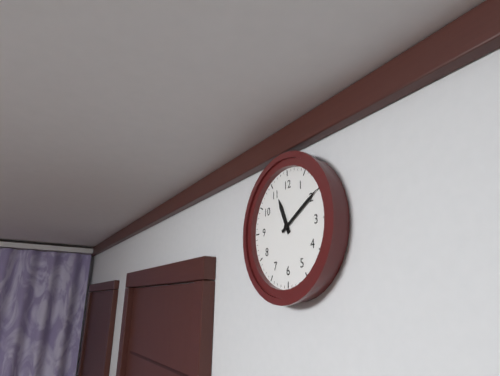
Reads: 11 h 10 min
